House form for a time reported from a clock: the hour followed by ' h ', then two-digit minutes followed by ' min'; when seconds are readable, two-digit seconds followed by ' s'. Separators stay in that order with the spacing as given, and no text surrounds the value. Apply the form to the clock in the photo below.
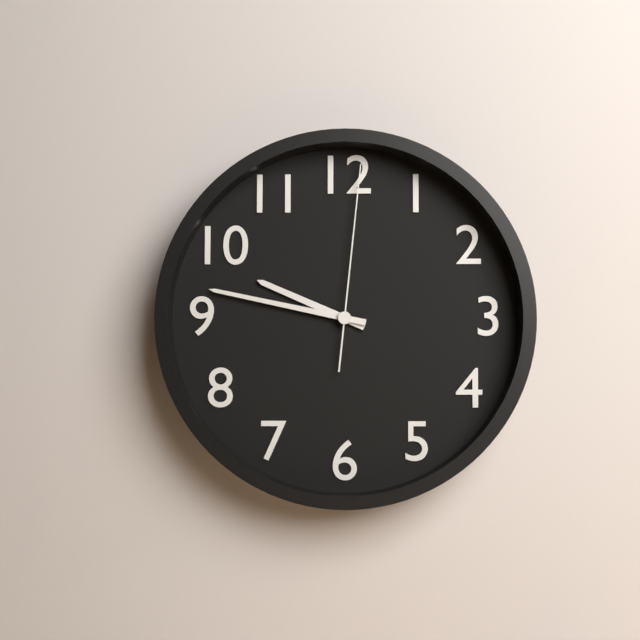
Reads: 9 h 47 min 01 s
